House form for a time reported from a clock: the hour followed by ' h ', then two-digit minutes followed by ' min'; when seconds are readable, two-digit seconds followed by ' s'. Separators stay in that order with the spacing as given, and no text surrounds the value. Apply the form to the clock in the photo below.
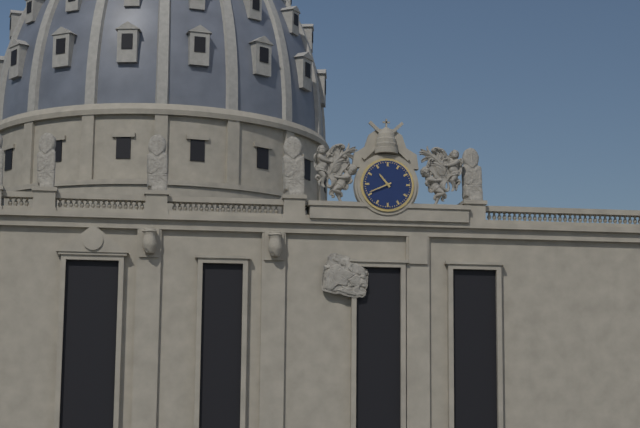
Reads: 10 h 41 min
